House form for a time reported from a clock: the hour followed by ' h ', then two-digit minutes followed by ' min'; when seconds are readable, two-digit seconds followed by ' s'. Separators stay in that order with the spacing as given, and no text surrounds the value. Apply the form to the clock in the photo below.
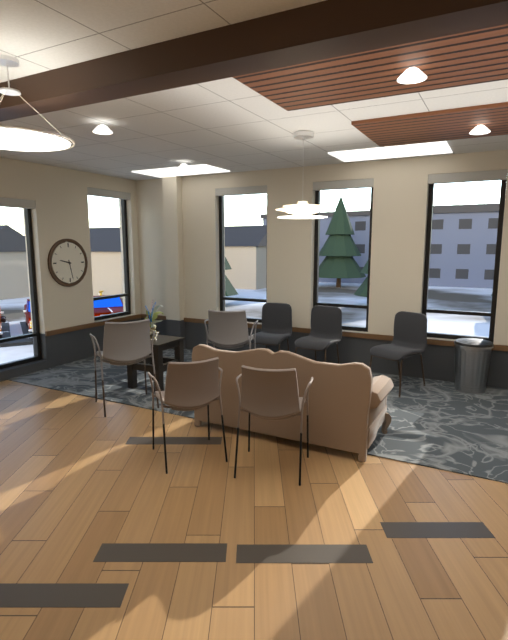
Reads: 9 h 28 min
